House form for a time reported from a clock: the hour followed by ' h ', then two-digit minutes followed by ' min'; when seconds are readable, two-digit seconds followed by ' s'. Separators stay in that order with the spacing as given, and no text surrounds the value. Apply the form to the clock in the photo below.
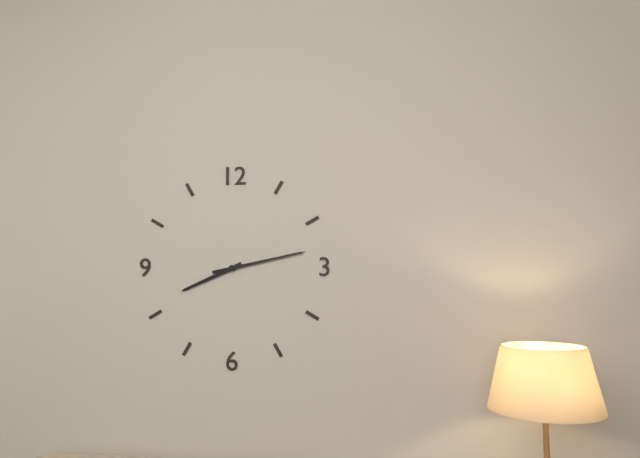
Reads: 8 h 13 min
